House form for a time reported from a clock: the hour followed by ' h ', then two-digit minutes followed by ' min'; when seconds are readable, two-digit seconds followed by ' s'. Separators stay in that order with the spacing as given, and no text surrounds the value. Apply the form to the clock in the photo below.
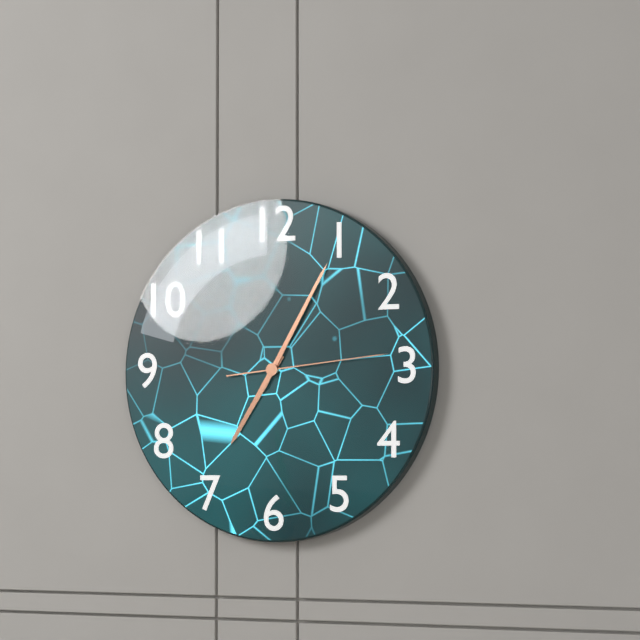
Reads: 7 h 05 min 14 s
